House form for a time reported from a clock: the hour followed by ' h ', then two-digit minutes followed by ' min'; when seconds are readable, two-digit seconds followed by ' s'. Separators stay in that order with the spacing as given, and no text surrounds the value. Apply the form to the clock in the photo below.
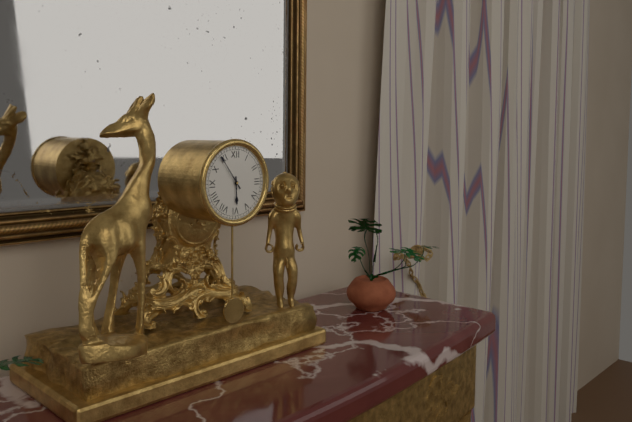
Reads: 5 h 54 min
